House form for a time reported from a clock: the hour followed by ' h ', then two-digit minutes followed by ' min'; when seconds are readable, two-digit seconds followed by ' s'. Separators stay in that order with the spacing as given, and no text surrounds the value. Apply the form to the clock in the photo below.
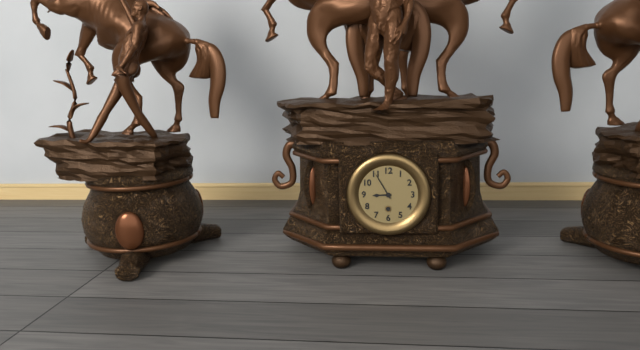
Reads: 8 h 55 min
